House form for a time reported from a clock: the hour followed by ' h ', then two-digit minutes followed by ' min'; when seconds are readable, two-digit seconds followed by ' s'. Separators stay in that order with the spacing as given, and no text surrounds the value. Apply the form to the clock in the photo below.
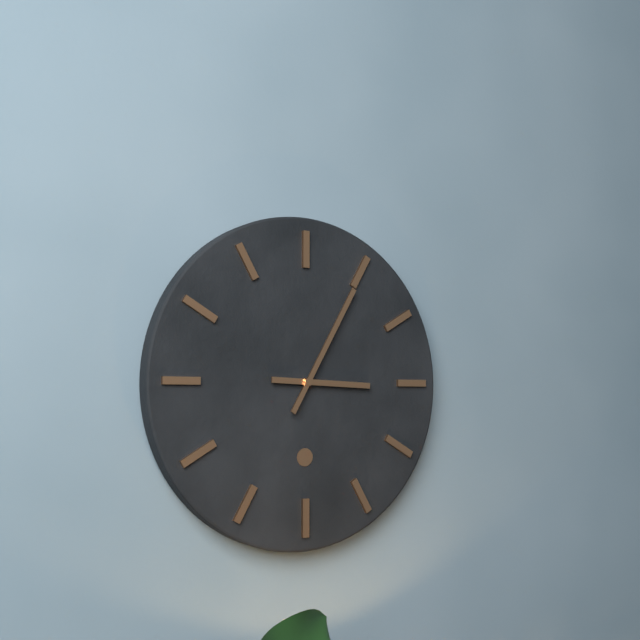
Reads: 3 h 05 min
